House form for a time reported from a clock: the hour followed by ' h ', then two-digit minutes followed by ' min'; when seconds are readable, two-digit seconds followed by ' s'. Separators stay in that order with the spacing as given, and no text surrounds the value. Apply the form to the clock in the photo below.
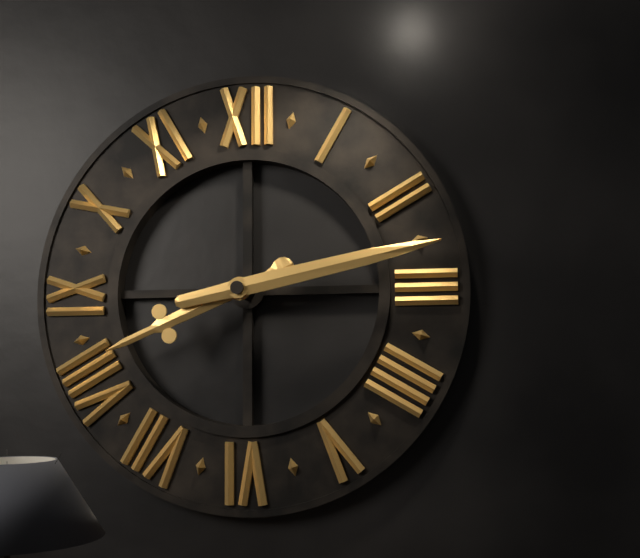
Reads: 8 h 13 min
